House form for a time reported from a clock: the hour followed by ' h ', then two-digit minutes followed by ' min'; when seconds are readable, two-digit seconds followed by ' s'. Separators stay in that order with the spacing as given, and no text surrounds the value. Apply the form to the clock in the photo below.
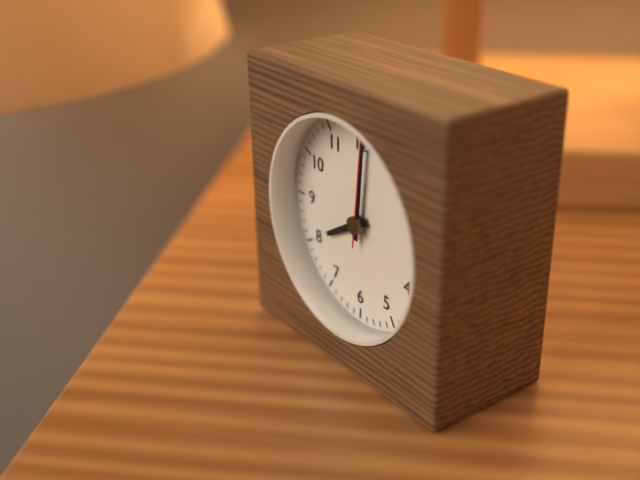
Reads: 8 h 01 min 01 s
